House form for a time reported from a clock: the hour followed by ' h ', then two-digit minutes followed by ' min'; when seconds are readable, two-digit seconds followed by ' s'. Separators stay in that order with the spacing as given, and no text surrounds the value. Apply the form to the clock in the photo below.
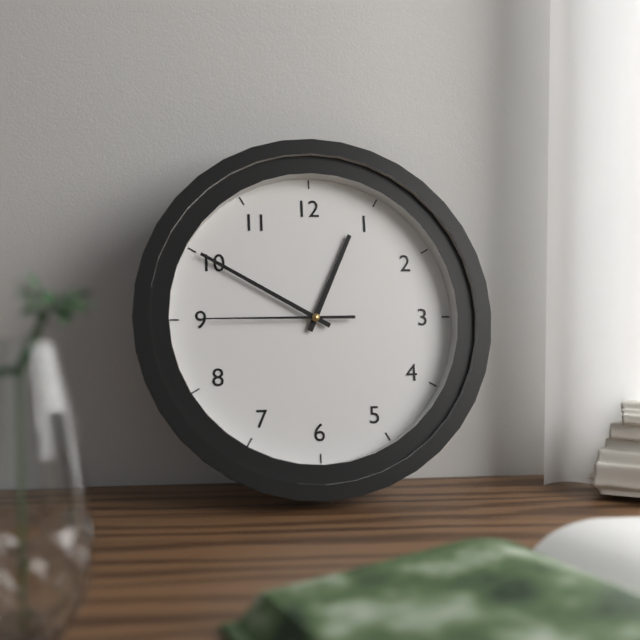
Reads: 12 h 50 min 45 s
